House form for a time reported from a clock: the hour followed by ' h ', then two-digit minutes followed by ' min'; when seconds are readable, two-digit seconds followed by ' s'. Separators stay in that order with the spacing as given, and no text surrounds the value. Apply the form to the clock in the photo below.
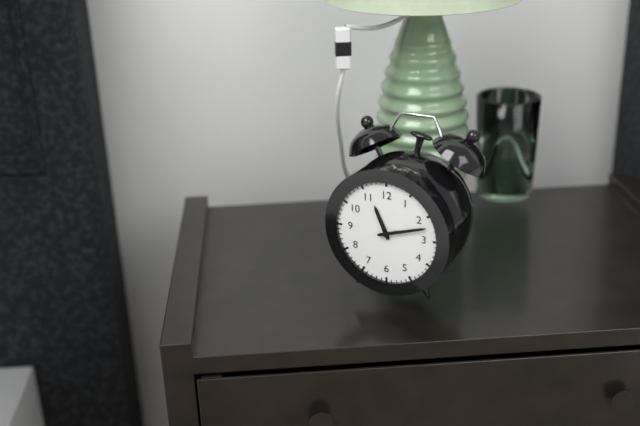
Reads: 11 h 12 min
